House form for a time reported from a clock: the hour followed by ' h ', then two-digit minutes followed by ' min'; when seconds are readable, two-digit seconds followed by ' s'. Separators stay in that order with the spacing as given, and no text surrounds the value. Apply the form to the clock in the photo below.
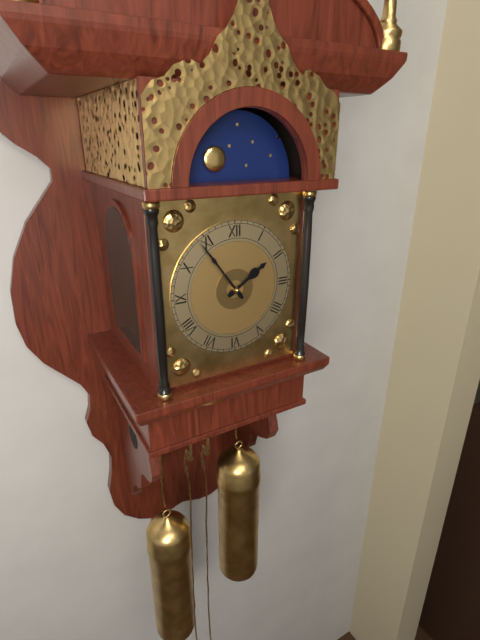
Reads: 1 h 54 min
